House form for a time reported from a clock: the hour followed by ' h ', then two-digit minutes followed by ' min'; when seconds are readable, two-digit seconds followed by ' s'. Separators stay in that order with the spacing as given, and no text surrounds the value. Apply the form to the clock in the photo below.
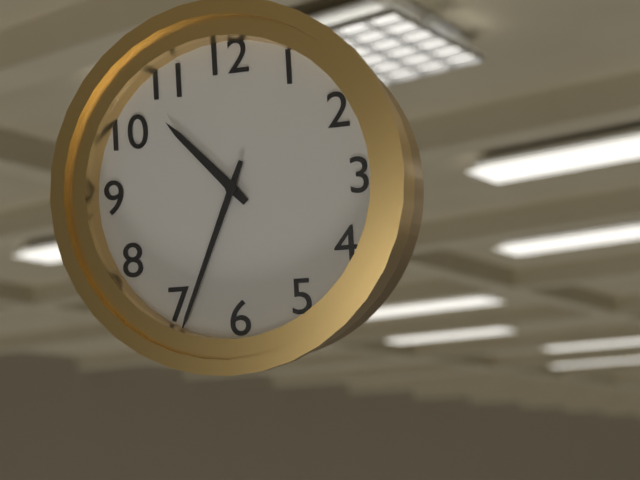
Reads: 10 h 34 min
